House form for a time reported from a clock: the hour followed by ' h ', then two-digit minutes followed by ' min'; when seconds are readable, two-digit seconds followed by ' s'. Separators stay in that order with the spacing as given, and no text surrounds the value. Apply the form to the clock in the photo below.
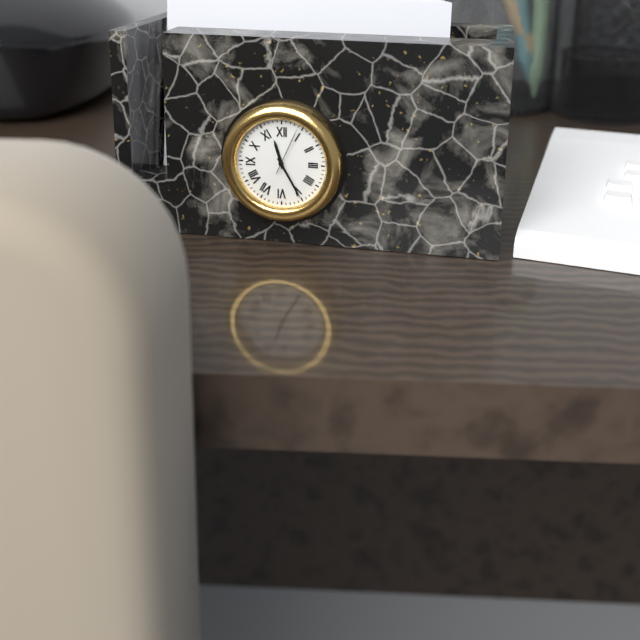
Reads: 11 h 25 min
